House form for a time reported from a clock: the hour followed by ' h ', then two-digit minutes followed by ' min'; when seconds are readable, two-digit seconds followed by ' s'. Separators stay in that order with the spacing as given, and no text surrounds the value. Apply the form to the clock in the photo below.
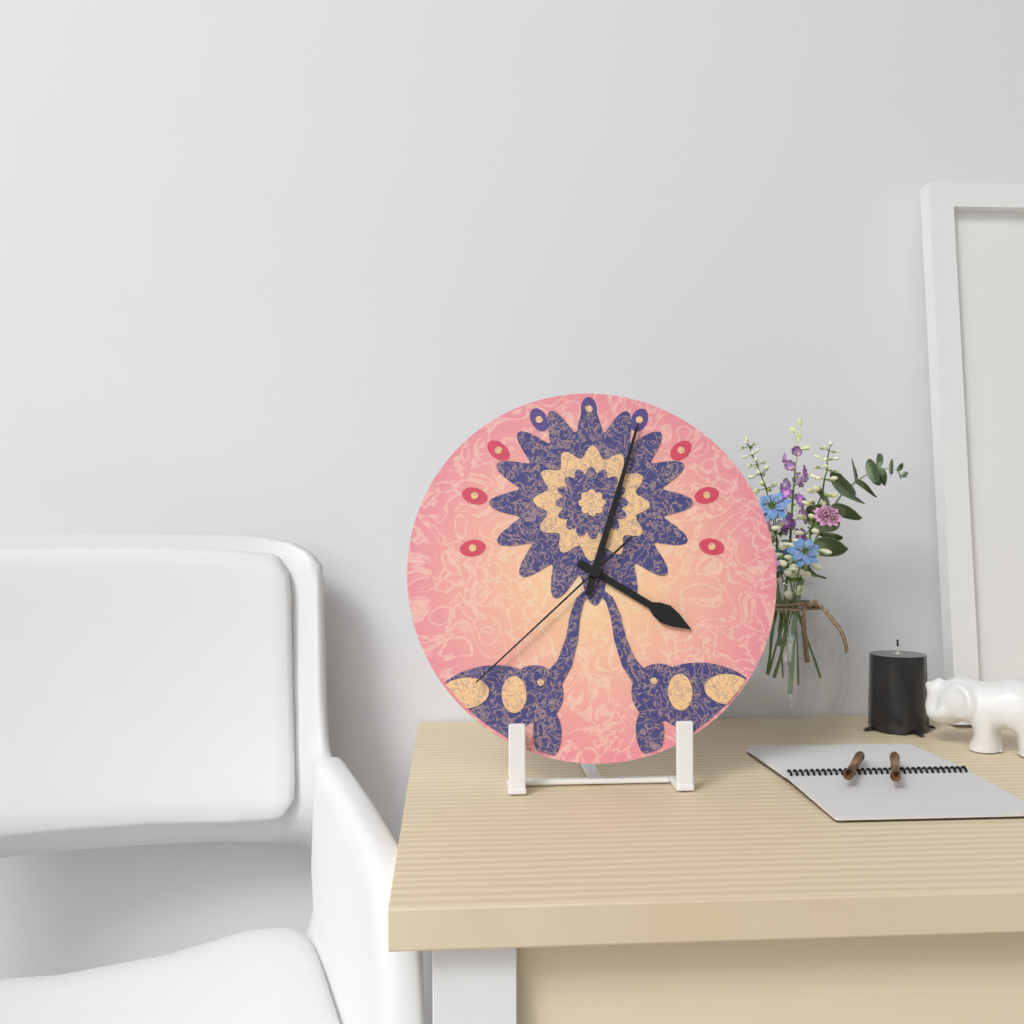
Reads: 4 h 03 min 38 s
